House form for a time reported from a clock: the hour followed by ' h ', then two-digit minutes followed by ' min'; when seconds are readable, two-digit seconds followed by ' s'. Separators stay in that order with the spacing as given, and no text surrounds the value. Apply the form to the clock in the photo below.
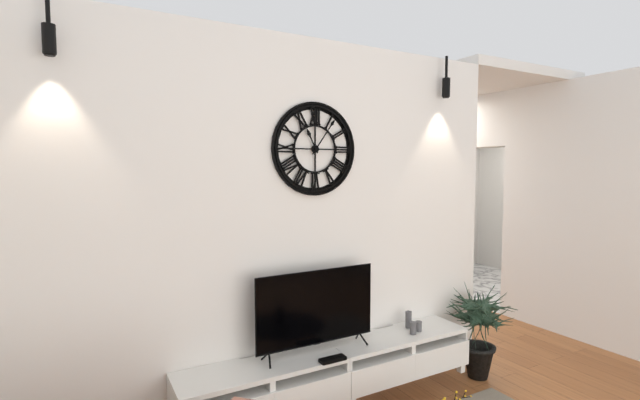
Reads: 11 h 06 min
